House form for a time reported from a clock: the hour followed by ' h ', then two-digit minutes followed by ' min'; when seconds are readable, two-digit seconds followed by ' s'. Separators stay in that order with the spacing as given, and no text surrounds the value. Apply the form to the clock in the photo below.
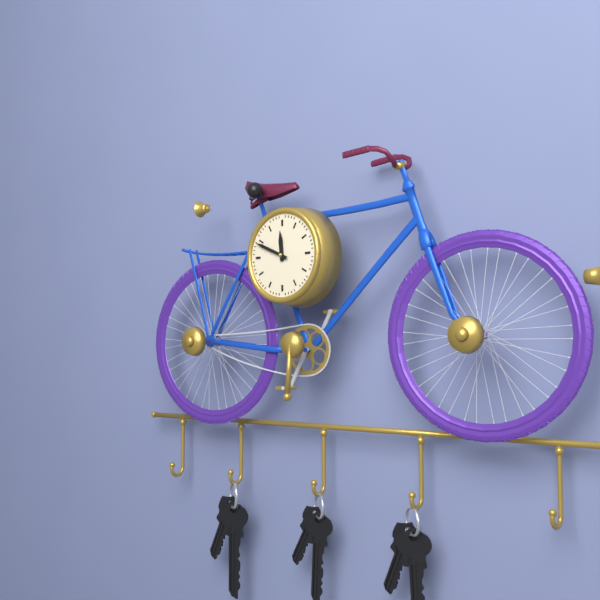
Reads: 11 h 49 min
